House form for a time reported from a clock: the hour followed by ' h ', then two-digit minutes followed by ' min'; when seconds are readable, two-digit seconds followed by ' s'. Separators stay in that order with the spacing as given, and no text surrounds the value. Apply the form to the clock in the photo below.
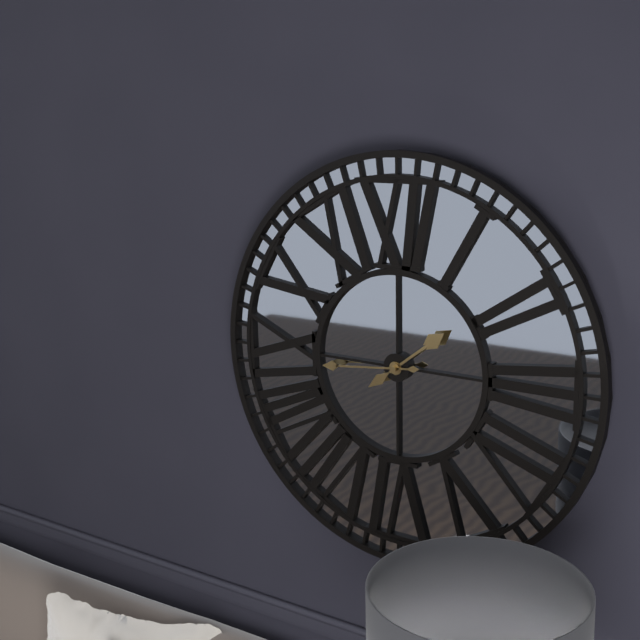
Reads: 1 h 44 min
